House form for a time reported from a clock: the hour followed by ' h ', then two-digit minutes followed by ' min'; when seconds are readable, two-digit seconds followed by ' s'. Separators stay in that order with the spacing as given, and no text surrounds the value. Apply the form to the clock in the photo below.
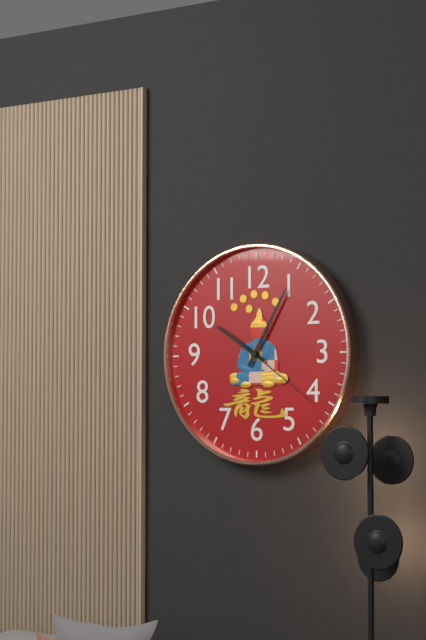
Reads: 10 h 05 min 21 s
